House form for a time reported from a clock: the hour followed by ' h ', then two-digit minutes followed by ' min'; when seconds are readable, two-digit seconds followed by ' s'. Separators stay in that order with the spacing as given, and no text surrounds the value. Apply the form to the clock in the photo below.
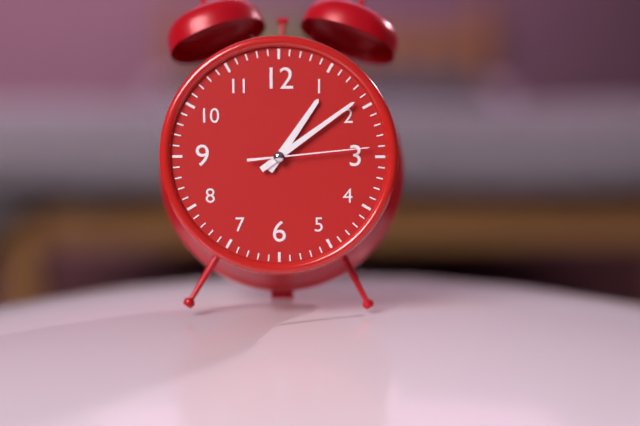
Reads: 1 h 09 min 14 s
